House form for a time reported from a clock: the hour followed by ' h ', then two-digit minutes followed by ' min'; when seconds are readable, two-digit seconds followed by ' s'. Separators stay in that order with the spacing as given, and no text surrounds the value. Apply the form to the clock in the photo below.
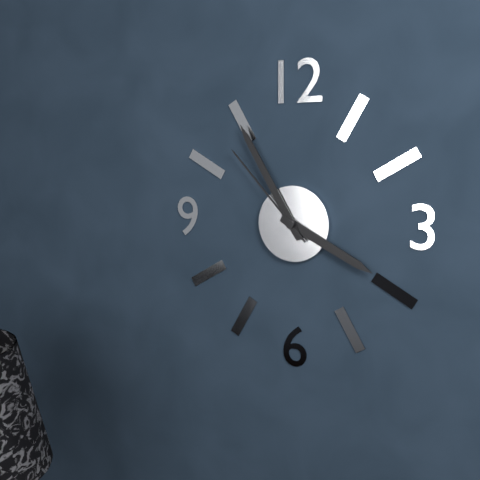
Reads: 3 h 55 min 53 s
